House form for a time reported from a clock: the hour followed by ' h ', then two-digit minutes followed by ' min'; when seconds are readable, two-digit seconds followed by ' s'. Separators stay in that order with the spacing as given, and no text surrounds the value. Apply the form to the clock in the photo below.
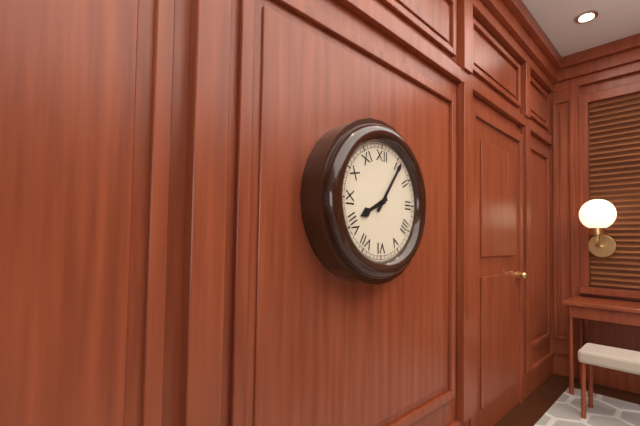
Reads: 8 h 06 min
